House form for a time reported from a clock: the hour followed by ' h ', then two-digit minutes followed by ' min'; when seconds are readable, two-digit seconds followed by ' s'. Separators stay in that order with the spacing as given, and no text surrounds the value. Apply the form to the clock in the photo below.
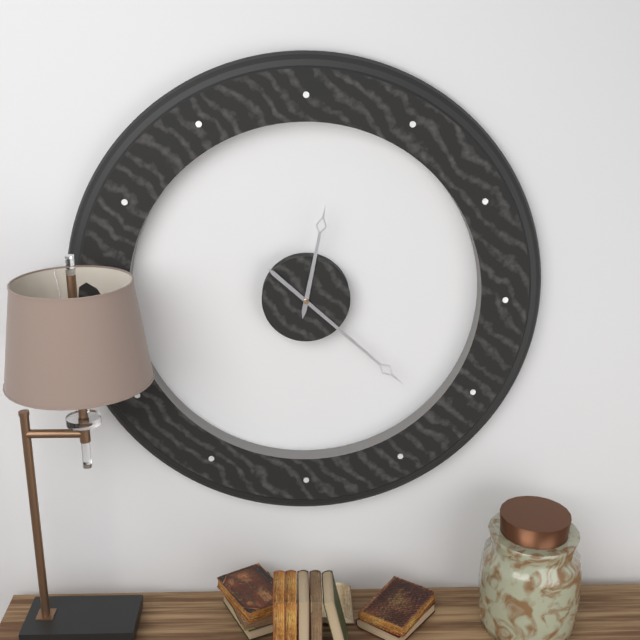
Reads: 12 h 22 min
